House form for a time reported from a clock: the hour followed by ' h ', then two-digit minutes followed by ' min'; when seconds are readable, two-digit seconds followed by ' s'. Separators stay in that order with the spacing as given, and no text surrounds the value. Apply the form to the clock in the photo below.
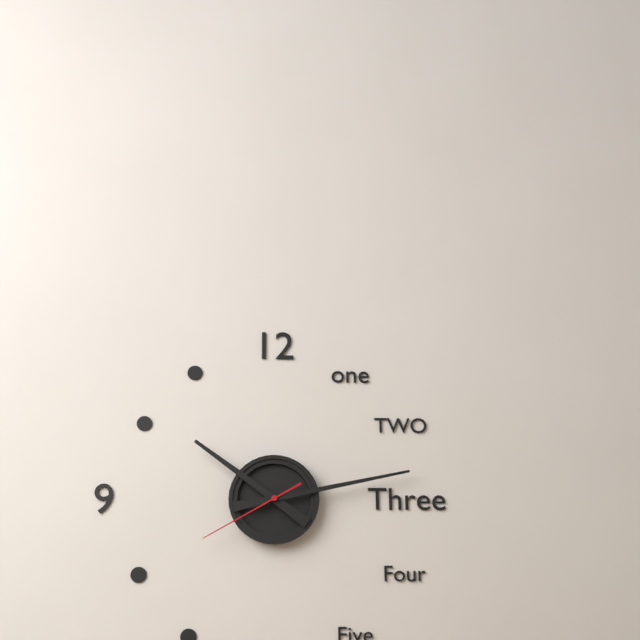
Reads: 10 h 13 min 40 s
